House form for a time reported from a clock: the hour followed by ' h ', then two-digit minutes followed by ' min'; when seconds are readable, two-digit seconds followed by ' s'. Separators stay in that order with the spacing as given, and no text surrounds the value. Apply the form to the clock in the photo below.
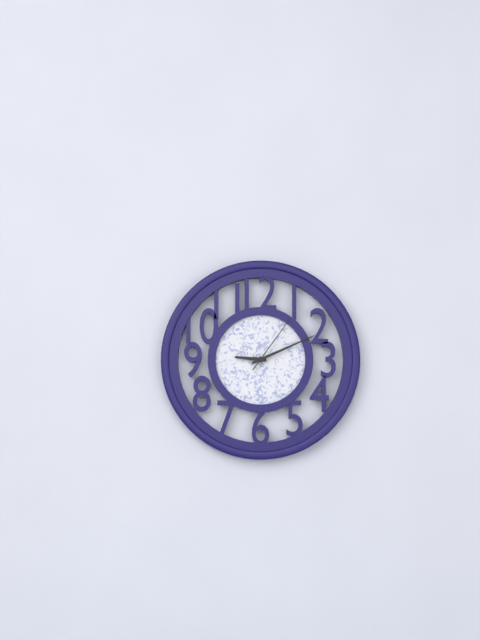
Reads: 9 h 11 min 06 s
